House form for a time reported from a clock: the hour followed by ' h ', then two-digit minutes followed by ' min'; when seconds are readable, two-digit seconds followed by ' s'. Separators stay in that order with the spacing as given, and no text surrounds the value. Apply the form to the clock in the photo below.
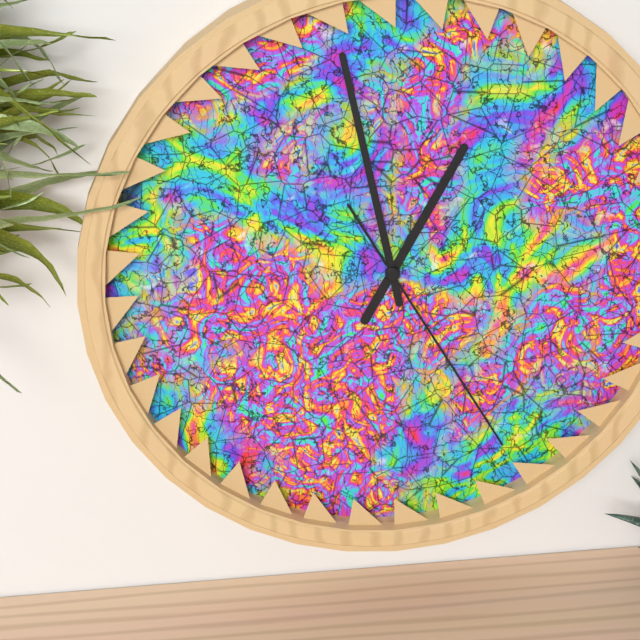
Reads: 12 h 58 min 25 s
